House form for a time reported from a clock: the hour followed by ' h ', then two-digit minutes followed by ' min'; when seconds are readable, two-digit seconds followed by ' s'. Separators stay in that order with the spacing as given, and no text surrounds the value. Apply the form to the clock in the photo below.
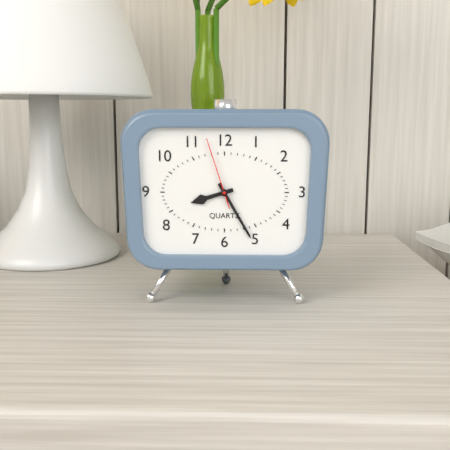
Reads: 8 h 25 min 57 s
